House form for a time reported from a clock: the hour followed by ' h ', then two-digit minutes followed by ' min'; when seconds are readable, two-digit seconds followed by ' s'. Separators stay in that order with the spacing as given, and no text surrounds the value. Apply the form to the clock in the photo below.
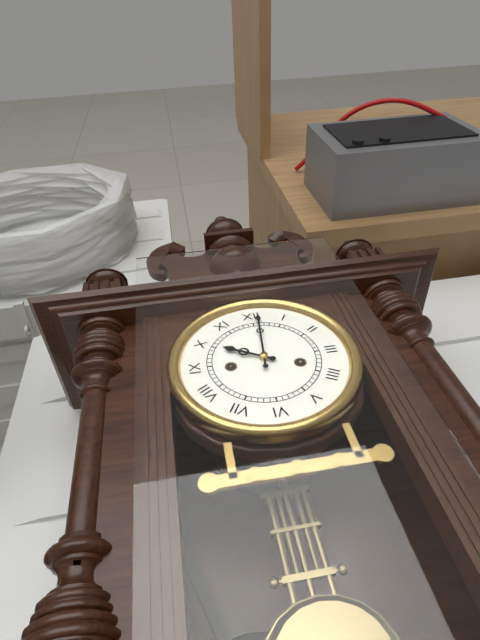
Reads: 10 h 01 min
